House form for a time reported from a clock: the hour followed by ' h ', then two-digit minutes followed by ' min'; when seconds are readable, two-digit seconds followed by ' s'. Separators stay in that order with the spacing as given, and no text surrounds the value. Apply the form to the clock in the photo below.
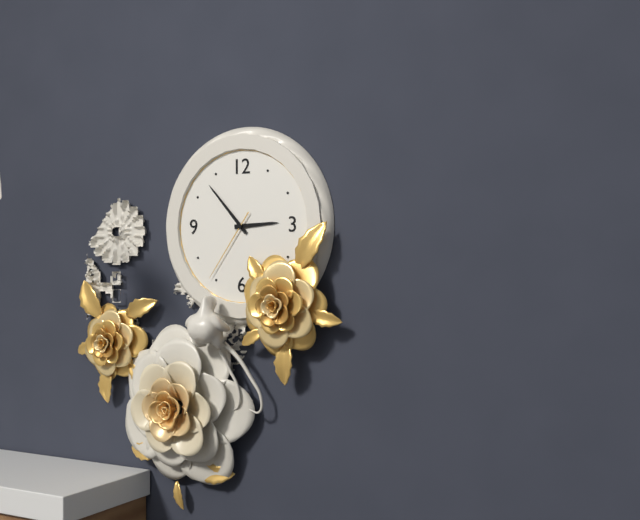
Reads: 2 h 53 min 36 s
